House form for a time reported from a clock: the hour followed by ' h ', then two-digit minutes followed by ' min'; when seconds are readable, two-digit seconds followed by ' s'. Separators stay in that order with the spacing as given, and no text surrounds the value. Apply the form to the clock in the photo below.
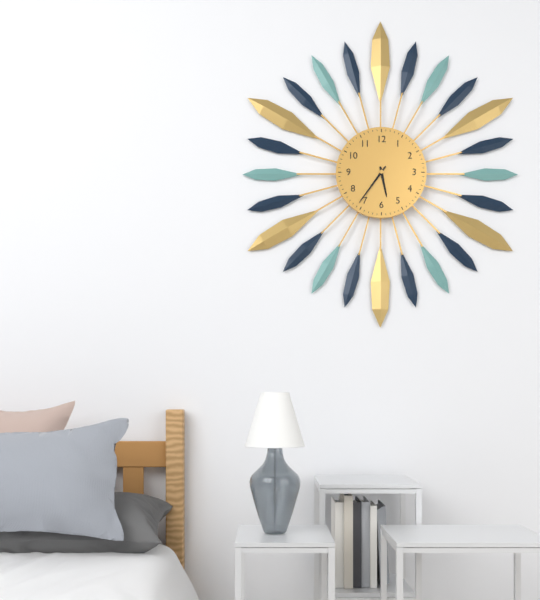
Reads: 5 h 36 min
